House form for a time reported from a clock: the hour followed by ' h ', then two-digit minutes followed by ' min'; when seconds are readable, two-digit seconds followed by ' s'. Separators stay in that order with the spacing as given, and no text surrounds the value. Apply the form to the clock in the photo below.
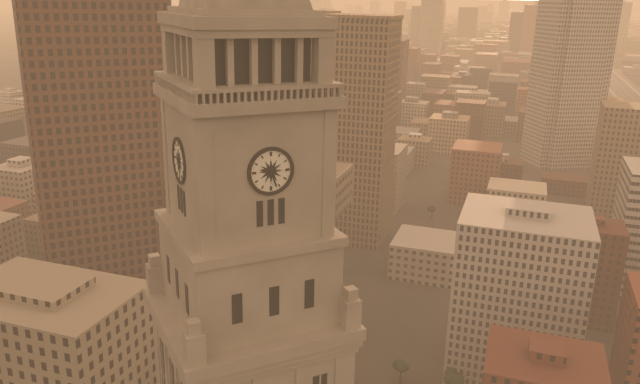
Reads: 9 h 27 min
